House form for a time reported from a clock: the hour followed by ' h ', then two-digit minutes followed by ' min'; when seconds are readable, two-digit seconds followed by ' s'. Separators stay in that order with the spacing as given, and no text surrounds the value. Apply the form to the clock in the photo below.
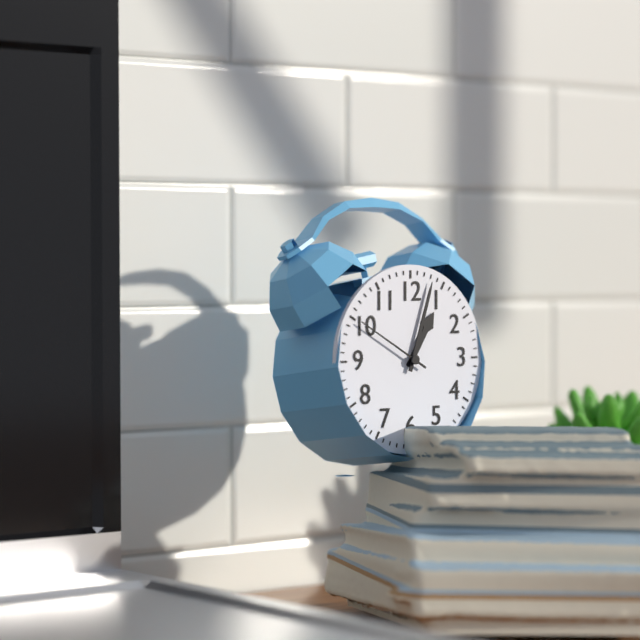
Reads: 1 h 03 min 50 s
